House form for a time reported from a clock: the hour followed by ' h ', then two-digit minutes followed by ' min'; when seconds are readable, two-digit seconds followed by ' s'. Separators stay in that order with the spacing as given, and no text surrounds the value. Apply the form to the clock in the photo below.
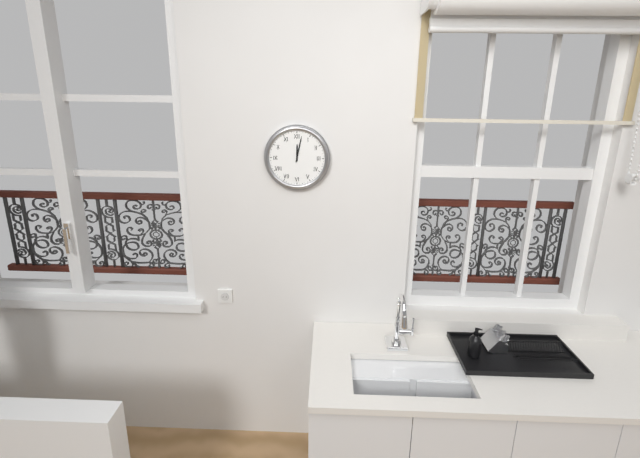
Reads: 12 h 02 min
